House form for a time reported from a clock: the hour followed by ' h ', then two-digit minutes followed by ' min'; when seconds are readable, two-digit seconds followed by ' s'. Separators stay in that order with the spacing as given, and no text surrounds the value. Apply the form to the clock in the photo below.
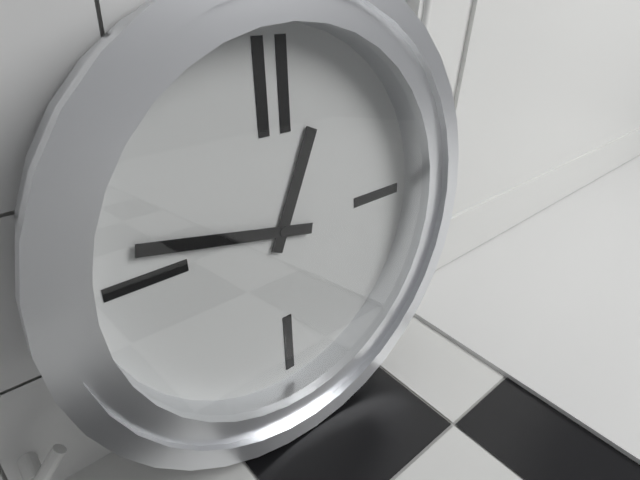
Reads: 12 h 47 min
